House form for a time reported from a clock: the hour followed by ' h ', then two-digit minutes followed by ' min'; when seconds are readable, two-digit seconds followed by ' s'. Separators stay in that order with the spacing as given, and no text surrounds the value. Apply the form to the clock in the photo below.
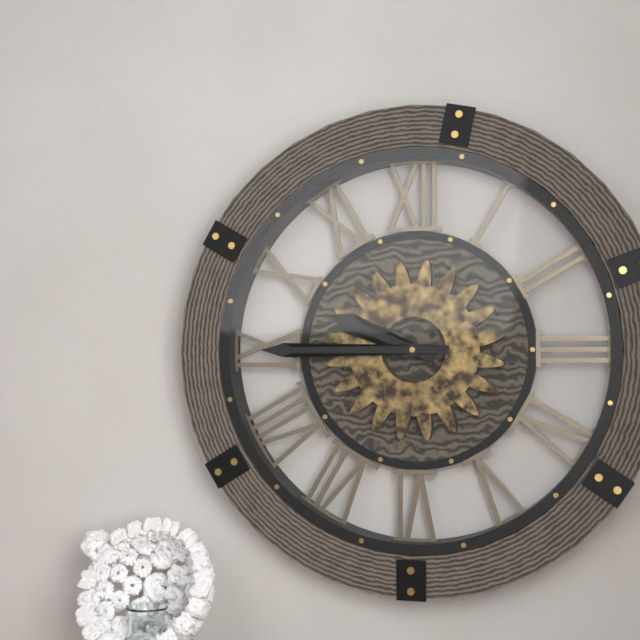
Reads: 9 h 45 min
